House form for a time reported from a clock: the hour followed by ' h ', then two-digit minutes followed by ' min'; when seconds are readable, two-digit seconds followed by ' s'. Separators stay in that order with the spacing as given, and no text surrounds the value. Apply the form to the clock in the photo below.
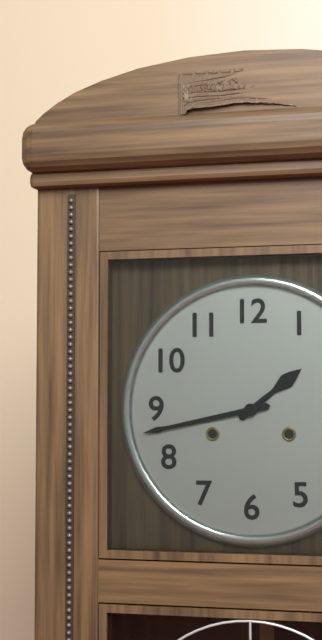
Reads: 1 h 43 min
